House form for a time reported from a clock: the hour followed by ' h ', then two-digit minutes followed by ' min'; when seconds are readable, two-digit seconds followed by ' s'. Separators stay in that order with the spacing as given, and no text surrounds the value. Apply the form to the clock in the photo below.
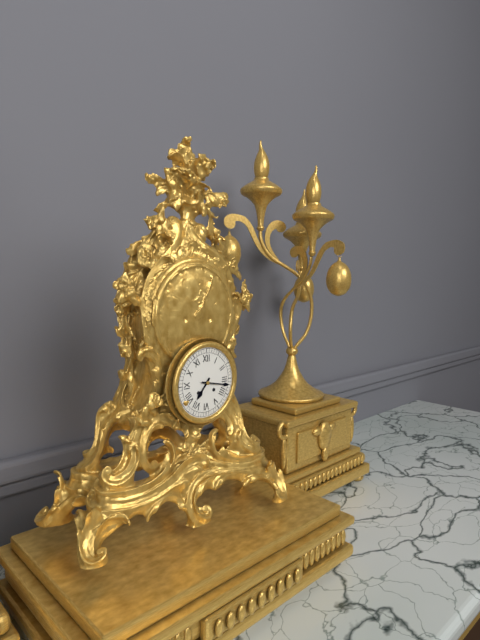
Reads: 7 h 17 min
